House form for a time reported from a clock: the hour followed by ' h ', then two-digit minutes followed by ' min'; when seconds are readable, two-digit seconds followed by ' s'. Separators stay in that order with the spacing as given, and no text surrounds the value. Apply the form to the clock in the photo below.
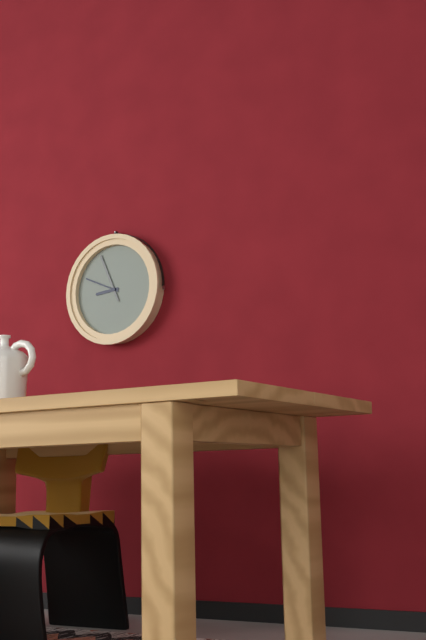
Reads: 8 h 49 min
